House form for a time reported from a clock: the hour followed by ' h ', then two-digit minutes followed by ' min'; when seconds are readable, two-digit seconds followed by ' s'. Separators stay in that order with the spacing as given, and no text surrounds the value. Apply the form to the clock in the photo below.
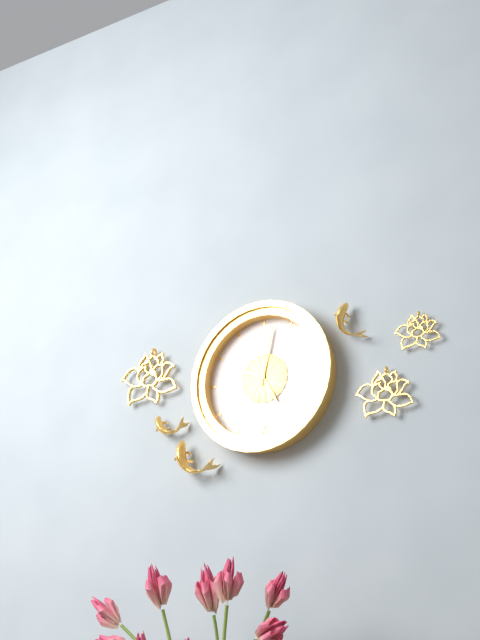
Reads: 5 h 02 min
